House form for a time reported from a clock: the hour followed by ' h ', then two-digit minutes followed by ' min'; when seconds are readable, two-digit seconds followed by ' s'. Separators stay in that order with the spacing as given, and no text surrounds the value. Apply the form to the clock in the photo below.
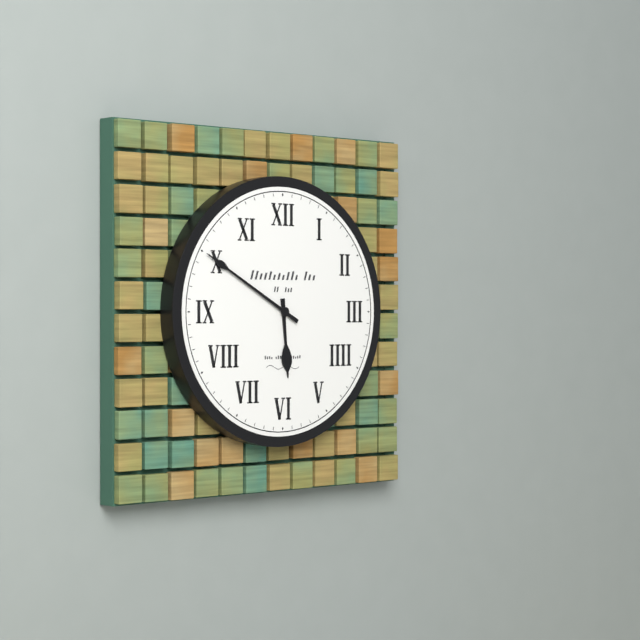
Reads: 5 h 50 min
